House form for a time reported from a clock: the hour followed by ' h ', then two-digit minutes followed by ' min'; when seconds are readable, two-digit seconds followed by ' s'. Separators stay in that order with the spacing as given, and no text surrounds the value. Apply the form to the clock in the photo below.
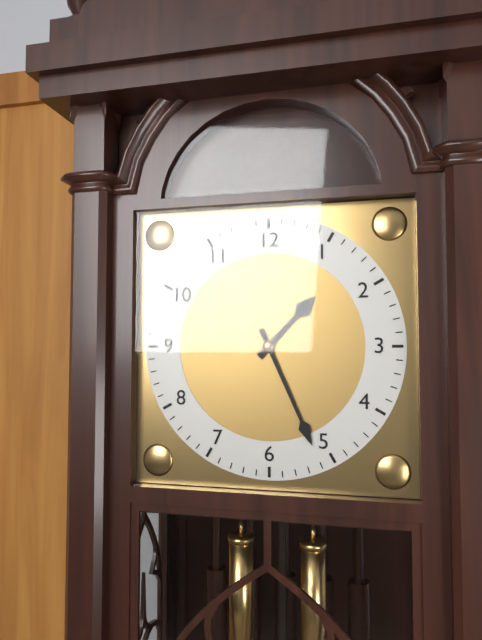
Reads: 1 h 26 min
